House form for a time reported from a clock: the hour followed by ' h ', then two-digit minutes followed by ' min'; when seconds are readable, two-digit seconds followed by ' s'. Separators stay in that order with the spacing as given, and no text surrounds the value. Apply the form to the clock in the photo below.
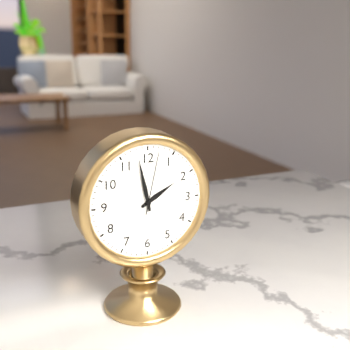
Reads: 1 h 58 min 02 s
